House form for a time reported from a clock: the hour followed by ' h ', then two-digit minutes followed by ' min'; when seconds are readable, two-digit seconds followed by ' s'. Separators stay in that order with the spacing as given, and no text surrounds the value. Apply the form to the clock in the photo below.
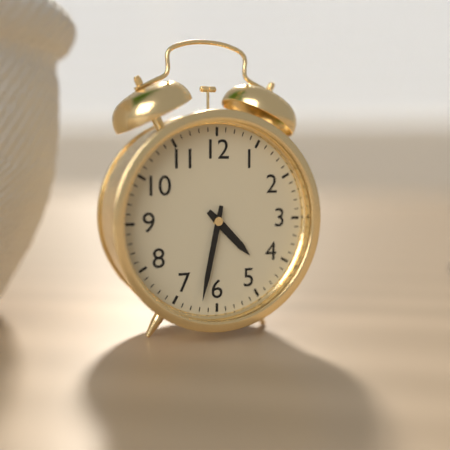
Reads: 4 h 32 min
